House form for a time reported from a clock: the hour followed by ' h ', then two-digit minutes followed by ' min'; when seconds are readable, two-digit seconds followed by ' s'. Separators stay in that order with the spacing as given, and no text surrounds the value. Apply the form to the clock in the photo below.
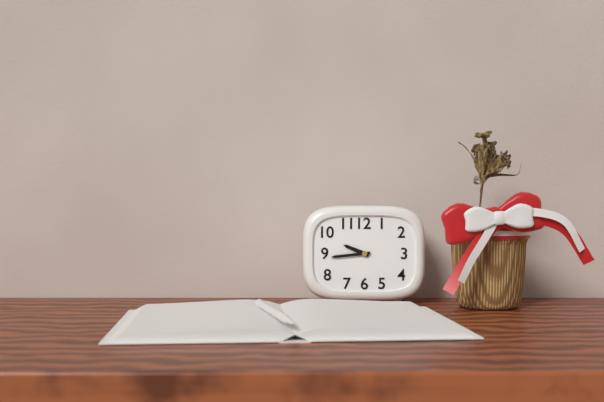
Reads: 9 h 44 min
